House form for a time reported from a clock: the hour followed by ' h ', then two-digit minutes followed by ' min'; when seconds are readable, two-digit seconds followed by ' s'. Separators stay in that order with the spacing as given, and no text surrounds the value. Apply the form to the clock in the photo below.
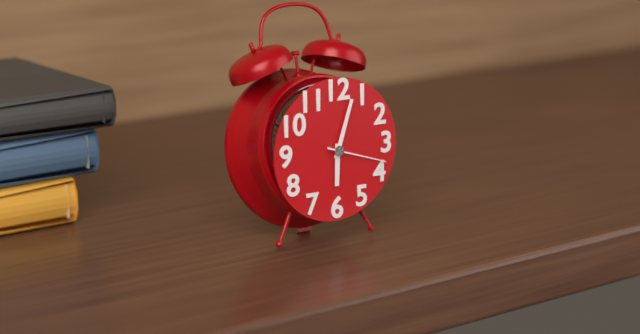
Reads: 6 h 03 min 18 s
